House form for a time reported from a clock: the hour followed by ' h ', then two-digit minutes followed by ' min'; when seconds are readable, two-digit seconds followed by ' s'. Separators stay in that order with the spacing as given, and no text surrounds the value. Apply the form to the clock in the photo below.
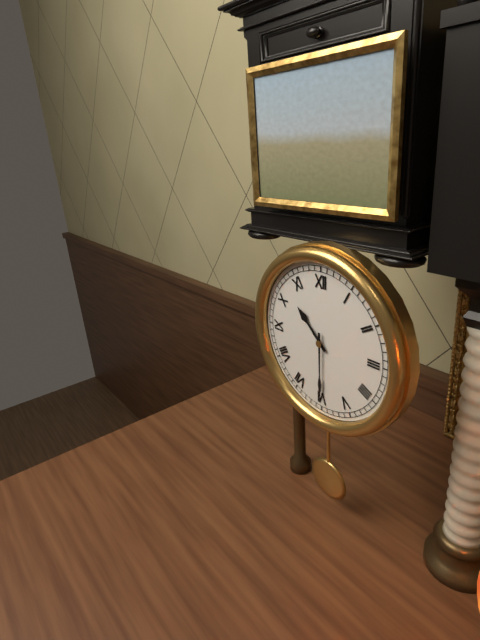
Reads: 10 h 30 min
